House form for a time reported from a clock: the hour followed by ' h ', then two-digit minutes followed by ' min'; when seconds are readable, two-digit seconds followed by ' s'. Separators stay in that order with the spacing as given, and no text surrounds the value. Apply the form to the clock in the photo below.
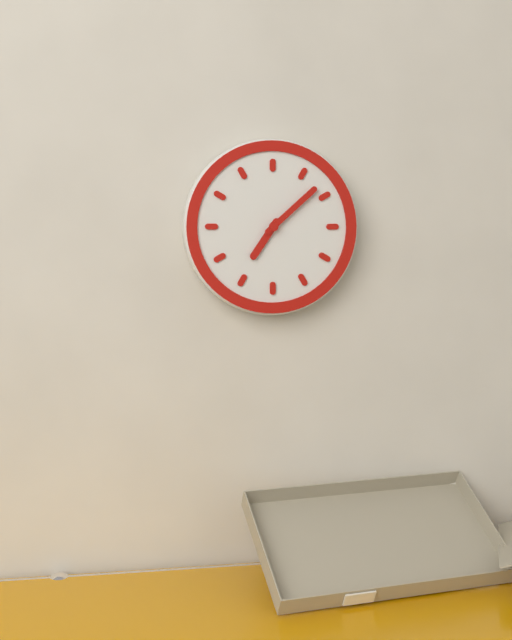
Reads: 7 h 08 min
